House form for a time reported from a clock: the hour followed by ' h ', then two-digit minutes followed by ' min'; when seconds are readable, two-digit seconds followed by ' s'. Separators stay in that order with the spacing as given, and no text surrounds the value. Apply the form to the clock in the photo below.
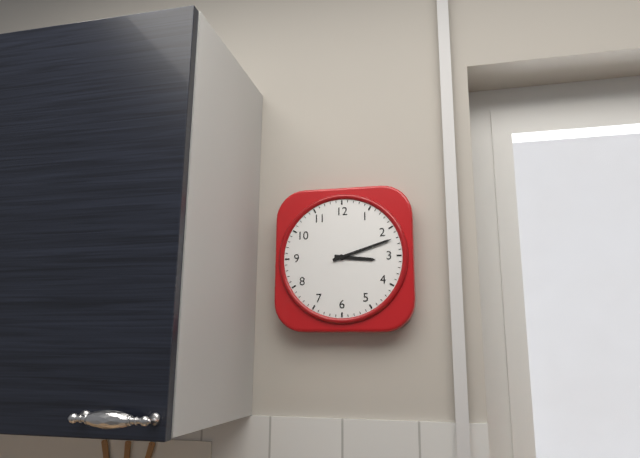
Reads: 3 h 12 min
